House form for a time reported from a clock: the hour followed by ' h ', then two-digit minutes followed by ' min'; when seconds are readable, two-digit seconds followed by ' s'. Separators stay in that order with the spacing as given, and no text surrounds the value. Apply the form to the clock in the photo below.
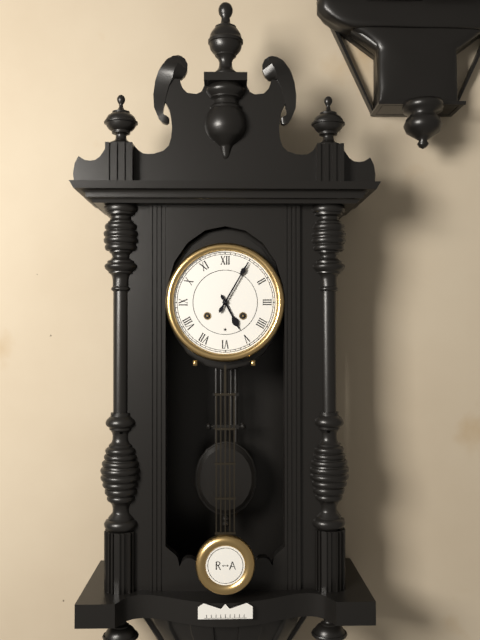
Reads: 5 h 05 min
